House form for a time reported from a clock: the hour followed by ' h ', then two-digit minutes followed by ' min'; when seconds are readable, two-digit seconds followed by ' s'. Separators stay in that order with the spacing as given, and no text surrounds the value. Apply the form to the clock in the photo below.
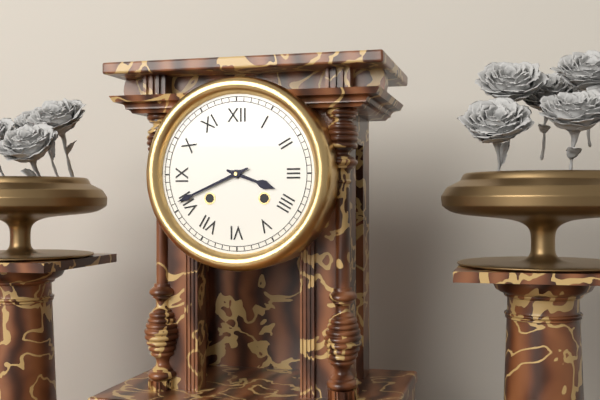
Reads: 3 h 41 min
